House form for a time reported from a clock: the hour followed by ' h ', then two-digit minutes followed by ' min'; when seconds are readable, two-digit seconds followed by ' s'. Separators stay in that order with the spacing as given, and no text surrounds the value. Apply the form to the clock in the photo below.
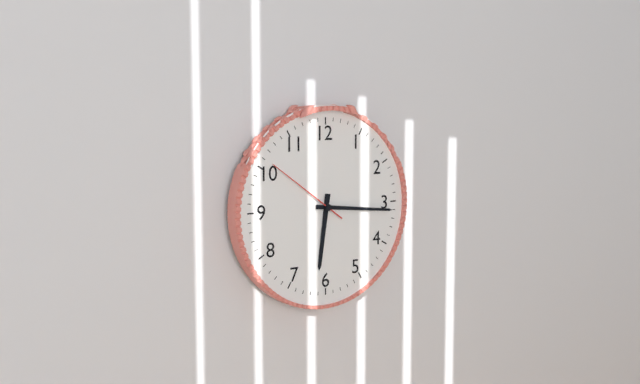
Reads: 6 h 16 min 51 s
